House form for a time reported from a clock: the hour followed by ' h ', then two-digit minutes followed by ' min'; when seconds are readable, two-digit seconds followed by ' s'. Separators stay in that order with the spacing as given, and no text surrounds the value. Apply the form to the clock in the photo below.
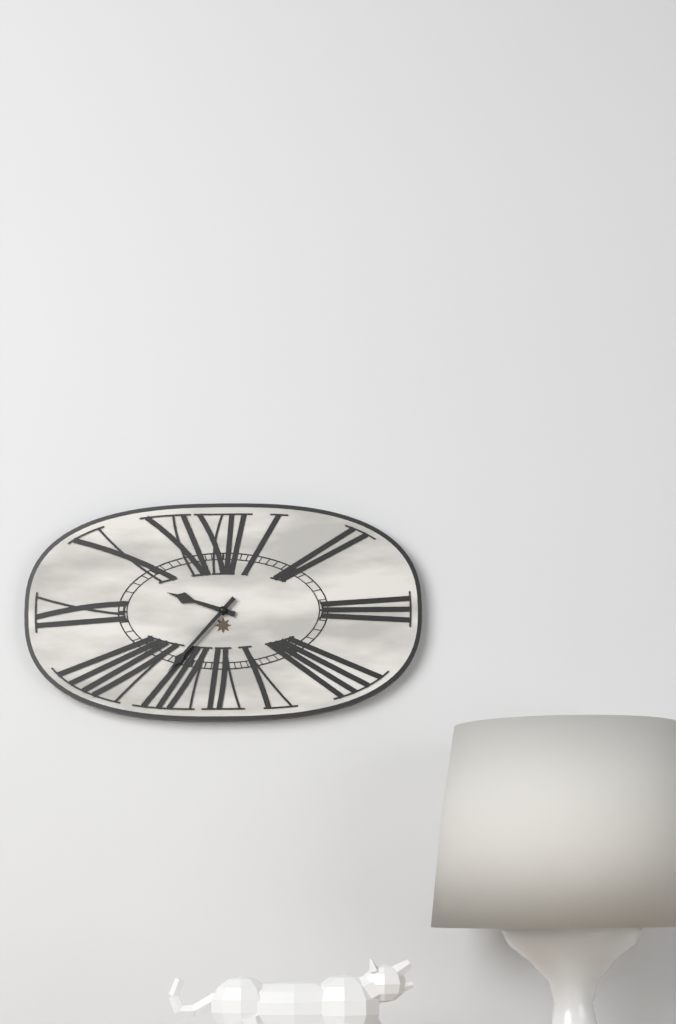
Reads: 9 h 37 min
